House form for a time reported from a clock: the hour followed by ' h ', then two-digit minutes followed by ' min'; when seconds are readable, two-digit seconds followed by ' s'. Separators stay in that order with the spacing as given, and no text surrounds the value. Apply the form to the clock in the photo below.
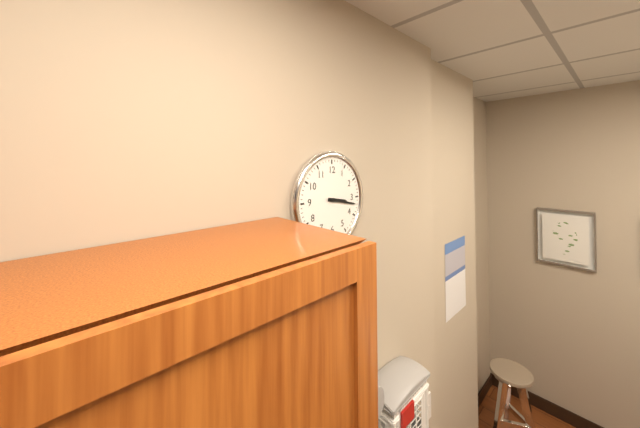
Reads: 3 h 17 min
